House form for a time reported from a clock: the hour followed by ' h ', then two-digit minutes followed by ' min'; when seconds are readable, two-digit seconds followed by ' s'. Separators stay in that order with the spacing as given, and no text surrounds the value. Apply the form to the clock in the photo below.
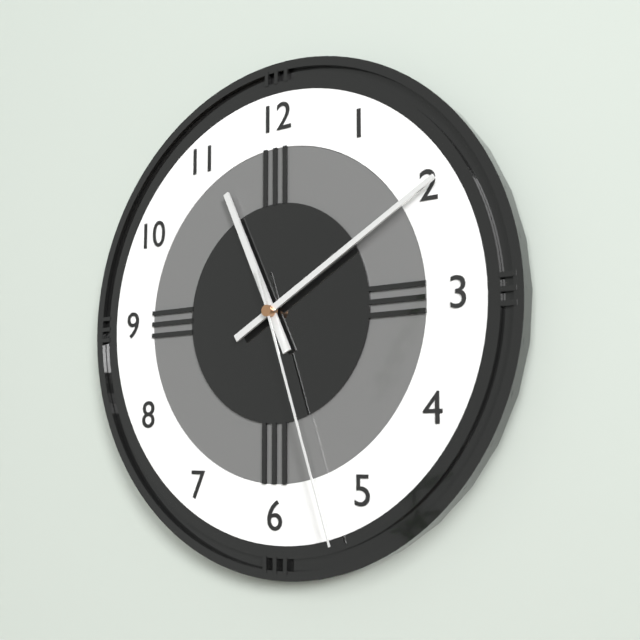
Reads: 11 h 10 min 27 s
